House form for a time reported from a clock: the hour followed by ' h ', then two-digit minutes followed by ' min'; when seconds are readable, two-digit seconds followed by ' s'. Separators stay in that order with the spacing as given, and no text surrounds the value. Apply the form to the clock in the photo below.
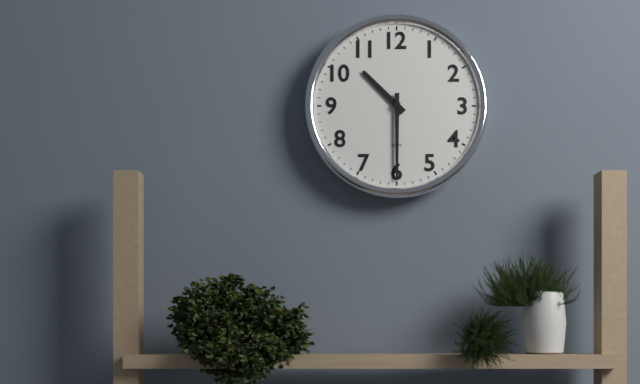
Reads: 10 h 30 min
